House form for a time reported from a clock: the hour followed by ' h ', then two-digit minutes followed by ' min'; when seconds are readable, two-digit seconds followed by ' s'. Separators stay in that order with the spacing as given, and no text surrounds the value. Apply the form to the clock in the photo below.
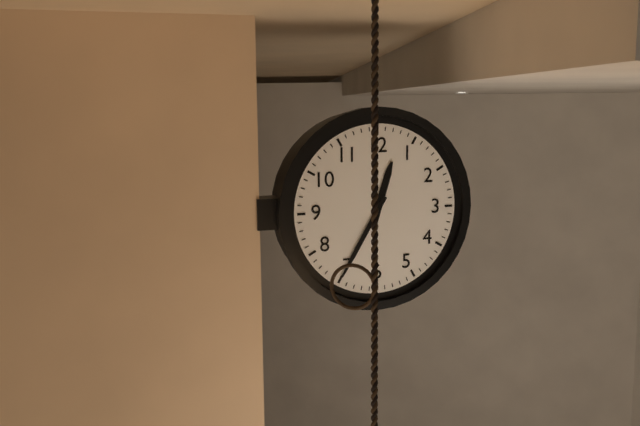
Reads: 12 h 35 min
